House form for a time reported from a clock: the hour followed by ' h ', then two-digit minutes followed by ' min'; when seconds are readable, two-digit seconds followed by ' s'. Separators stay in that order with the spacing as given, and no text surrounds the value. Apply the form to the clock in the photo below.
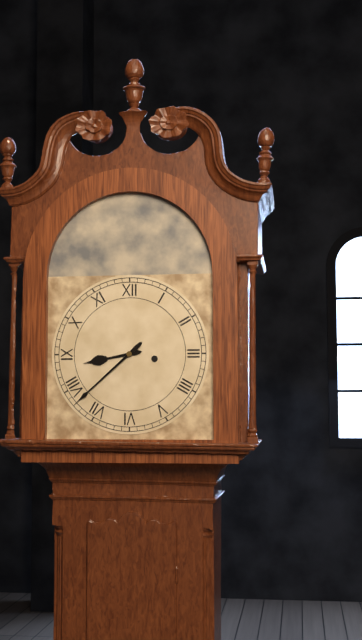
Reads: 8 h 38 min
